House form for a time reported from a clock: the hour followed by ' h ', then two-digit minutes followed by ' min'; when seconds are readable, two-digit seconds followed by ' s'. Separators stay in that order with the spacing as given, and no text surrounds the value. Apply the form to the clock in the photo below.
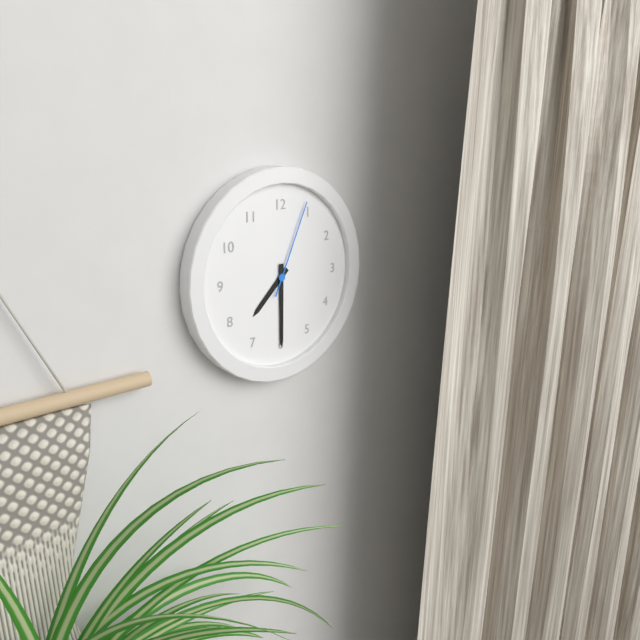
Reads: 7 h 30 min 04 s
